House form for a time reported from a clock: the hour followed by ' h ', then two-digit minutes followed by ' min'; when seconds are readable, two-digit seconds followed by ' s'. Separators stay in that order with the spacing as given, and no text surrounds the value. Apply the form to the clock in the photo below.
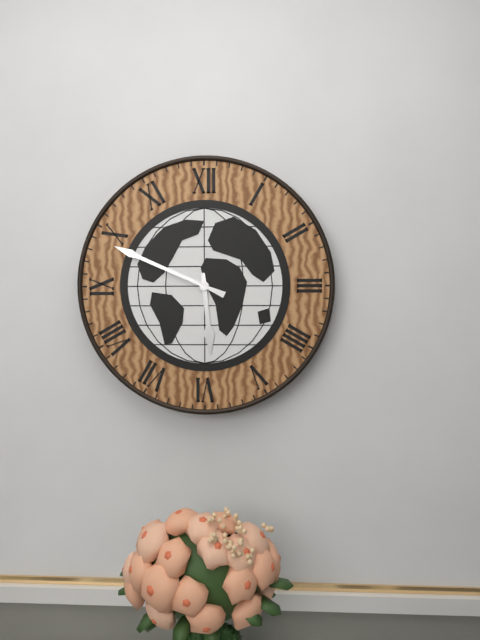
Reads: 5 h 49 min
